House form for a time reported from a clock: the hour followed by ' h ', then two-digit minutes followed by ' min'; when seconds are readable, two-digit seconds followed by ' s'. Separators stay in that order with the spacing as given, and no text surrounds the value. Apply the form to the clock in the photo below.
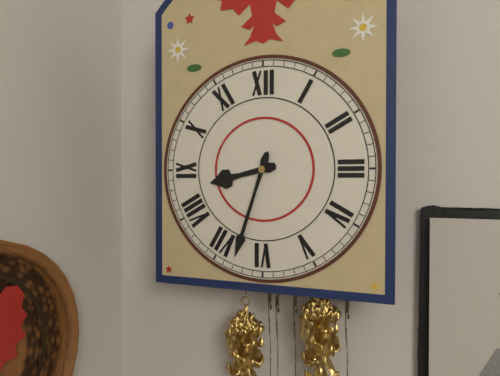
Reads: 8 h 33 min
